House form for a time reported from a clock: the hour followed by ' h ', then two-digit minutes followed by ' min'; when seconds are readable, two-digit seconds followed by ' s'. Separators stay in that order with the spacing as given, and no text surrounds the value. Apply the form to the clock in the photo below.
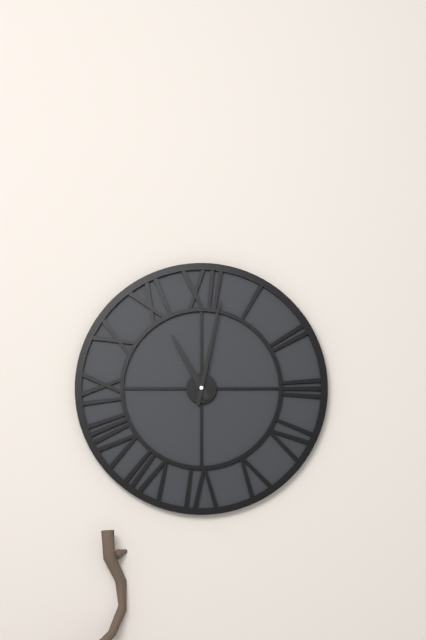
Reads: 11 h 02 min
